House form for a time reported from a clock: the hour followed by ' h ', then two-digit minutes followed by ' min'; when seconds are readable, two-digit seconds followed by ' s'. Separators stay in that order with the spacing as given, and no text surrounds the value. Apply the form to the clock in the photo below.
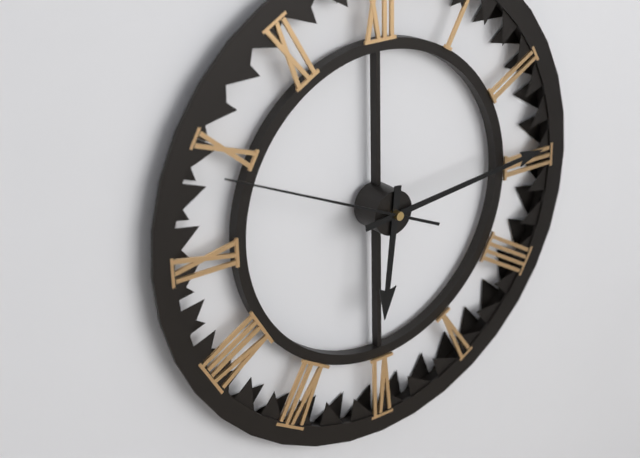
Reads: 6 h 14 min 49 s
